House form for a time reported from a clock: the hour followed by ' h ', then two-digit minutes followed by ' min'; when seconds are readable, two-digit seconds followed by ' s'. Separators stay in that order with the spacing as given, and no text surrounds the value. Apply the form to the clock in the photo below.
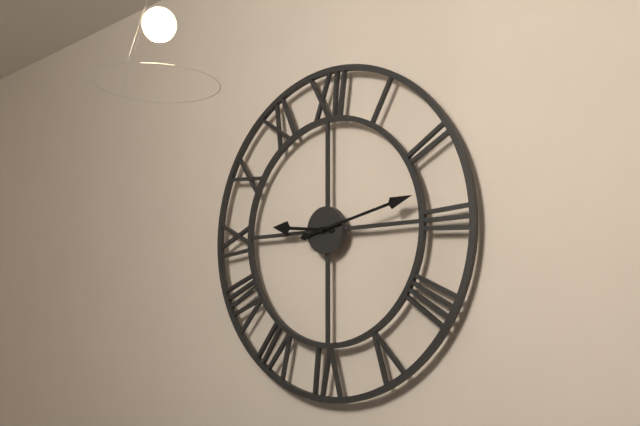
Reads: 9 h 13 min
